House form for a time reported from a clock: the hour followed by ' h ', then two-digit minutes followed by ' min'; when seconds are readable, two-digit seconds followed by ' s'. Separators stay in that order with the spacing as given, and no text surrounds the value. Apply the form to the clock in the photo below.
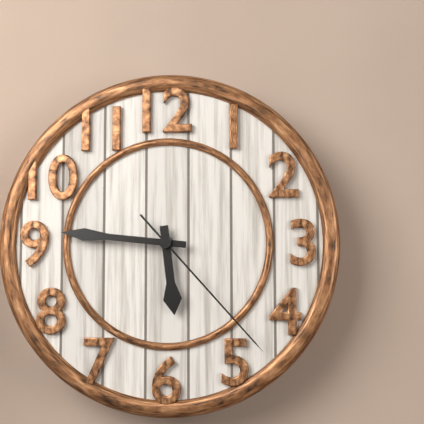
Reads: 5 h 46 min 23 s
